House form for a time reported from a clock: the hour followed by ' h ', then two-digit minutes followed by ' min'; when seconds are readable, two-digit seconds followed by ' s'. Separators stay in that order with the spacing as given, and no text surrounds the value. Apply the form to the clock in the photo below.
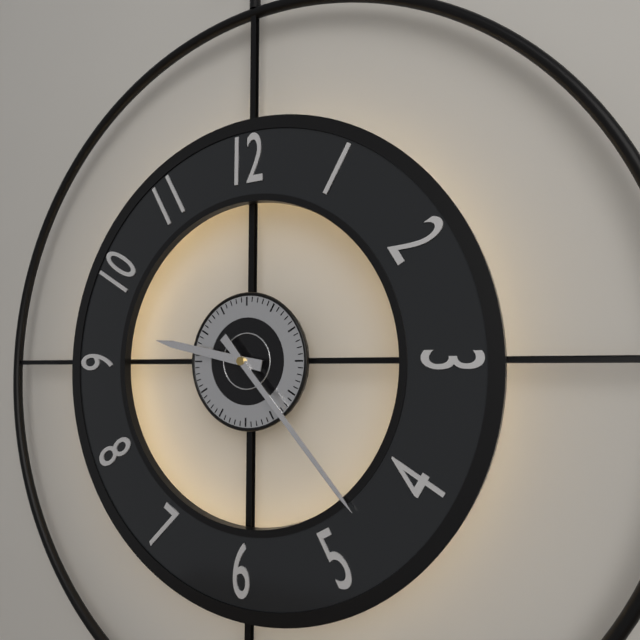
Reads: 9 h 23 min
